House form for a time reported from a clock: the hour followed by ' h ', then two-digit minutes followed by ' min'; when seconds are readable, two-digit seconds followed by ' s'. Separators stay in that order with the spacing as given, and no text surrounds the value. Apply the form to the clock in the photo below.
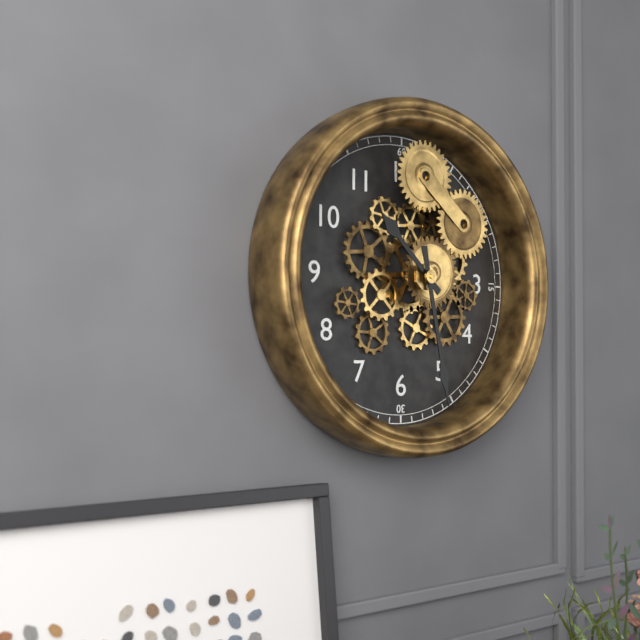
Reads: 10 h 28 min
